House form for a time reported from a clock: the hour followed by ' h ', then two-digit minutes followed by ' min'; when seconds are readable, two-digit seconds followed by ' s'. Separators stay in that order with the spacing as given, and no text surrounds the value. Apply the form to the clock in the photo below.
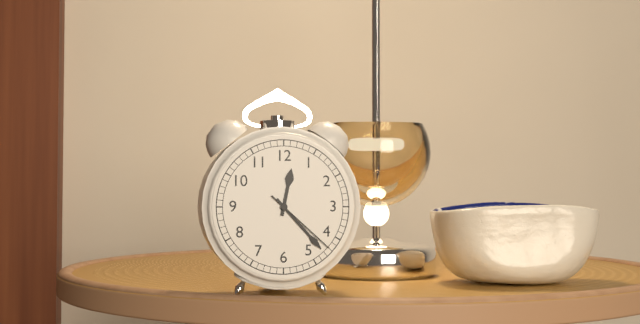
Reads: 12 h 23 min 22 s
